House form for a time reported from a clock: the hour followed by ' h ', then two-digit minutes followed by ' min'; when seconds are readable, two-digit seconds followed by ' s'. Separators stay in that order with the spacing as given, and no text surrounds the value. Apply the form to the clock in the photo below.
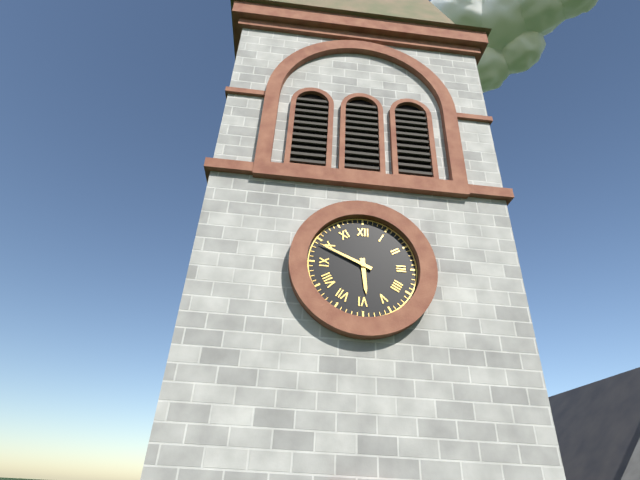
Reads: 5 h 49 min
